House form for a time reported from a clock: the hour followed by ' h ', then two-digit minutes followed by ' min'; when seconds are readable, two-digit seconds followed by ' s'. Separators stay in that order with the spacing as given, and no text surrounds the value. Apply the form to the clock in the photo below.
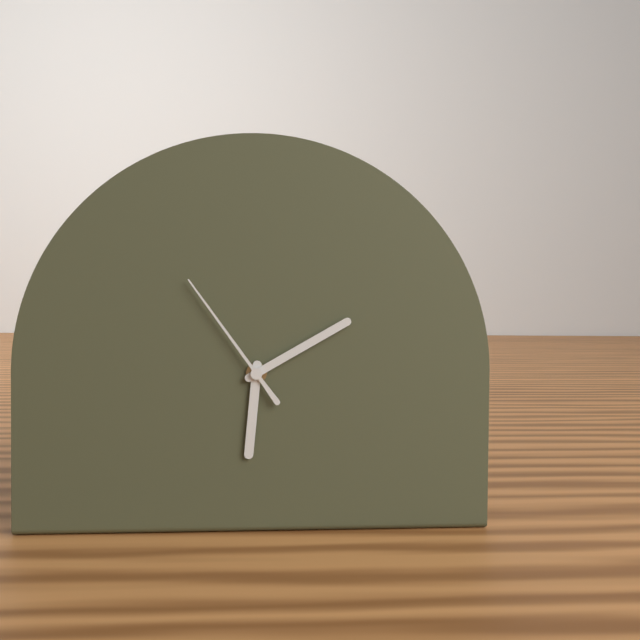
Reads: 6 h 10 min 54 s
